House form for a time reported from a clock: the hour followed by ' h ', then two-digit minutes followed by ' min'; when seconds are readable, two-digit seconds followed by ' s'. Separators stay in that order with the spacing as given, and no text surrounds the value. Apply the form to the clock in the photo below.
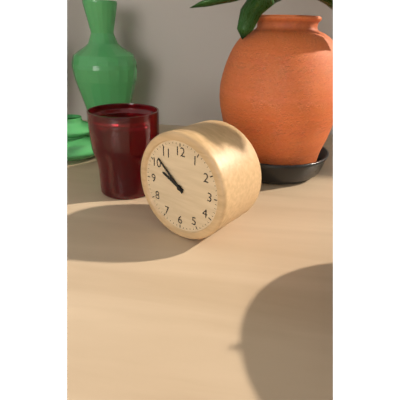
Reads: 9 h 52 min
